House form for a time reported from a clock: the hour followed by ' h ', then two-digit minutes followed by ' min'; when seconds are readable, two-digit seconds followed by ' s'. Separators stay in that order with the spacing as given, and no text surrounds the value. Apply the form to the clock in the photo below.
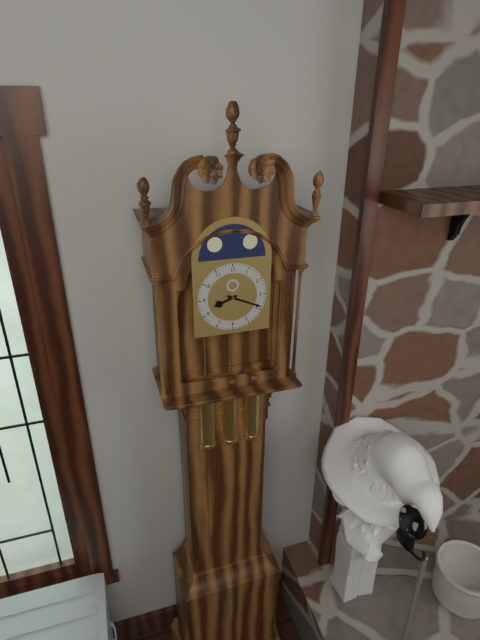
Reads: 8 h 19 min
